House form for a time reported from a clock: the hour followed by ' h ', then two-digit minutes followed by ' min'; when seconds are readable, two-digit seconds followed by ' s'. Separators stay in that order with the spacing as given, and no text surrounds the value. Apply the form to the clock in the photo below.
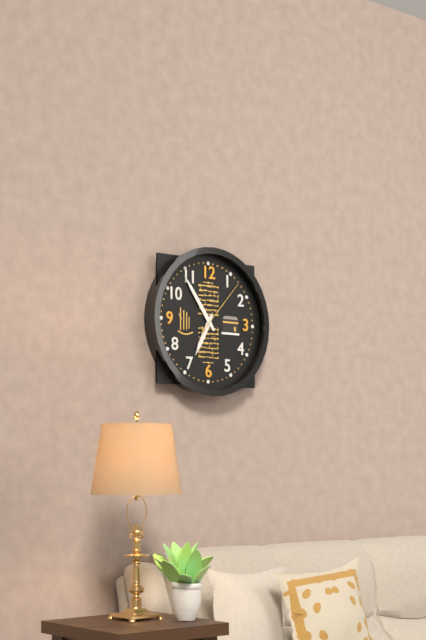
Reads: 6 h 54 min 07 s
